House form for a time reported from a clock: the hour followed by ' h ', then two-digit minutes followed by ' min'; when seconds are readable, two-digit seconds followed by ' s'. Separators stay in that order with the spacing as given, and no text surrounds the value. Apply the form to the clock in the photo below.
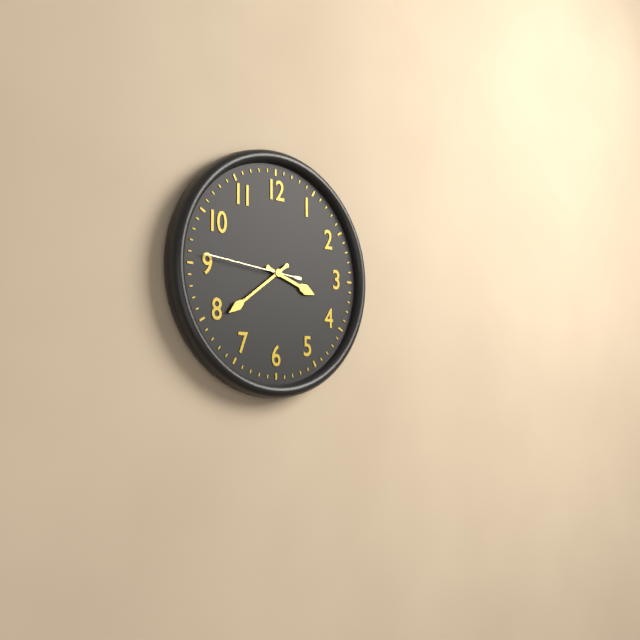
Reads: 3 h 39 min 46 s
